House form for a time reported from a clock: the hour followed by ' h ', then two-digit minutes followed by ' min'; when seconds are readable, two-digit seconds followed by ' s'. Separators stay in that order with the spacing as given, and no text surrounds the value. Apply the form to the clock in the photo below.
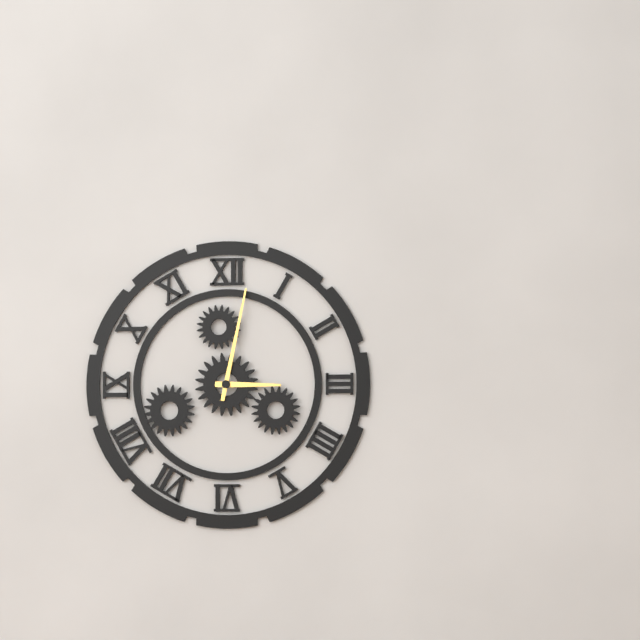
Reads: 3 h 02 min
